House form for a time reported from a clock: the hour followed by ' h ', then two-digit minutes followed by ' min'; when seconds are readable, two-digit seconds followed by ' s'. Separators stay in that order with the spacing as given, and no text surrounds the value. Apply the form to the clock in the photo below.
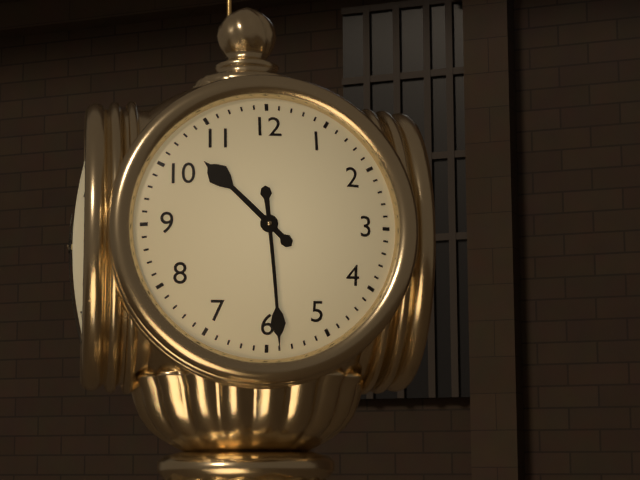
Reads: 10 h 29 min
